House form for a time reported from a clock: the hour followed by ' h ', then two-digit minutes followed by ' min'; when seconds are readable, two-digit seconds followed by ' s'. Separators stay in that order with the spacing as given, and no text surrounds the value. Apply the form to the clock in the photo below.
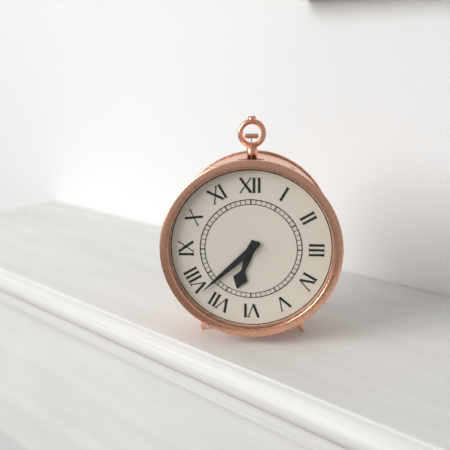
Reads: 6 h 38 min
